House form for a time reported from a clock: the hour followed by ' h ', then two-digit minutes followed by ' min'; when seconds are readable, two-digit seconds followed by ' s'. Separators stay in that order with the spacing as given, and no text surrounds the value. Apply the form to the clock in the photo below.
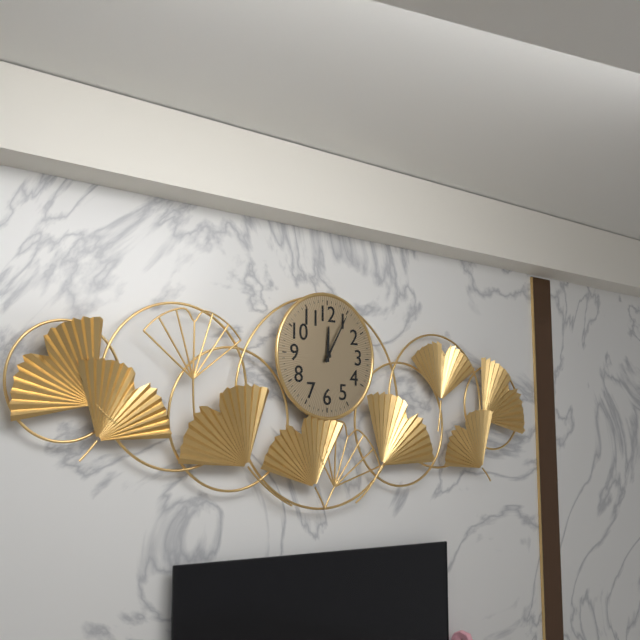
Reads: 12 h 05 min
